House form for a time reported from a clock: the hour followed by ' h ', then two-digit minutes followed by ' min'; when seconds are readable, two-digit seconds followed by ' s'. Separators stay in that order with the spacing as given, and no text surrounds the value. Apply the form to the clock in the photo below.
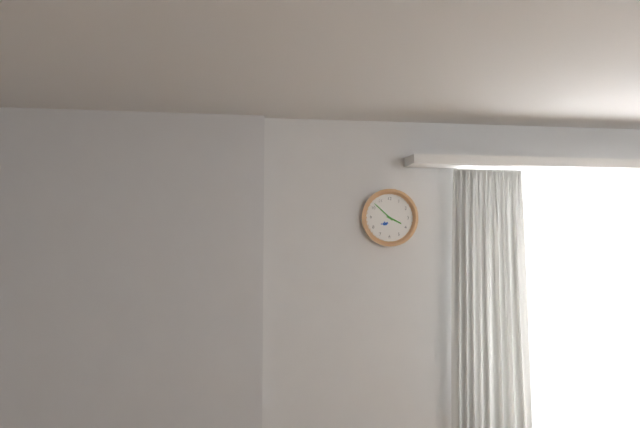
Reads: 3 h 52 min
